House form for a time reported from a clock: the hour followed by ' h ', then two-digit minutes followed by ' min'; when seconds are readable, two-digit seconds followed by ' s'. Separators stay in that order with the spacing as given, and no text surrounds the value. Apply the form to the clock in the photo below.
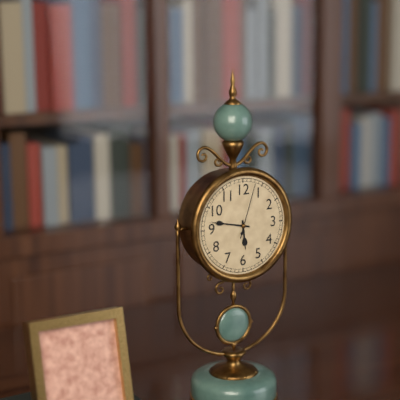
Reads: 5 h 47 min 03 s
